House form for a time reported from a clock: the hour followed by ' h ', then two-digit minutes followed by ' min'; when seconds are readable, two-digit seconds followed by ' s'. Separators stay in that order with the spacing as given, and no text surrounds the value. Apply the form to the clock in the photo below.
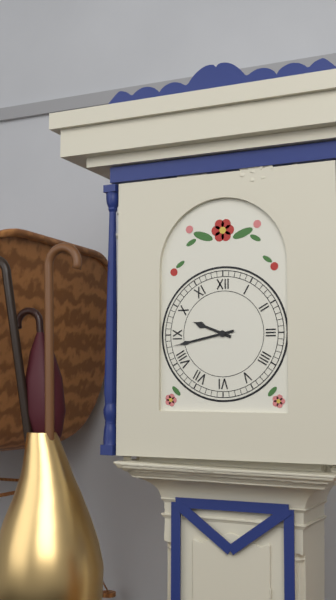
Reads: 9 h 43 min
